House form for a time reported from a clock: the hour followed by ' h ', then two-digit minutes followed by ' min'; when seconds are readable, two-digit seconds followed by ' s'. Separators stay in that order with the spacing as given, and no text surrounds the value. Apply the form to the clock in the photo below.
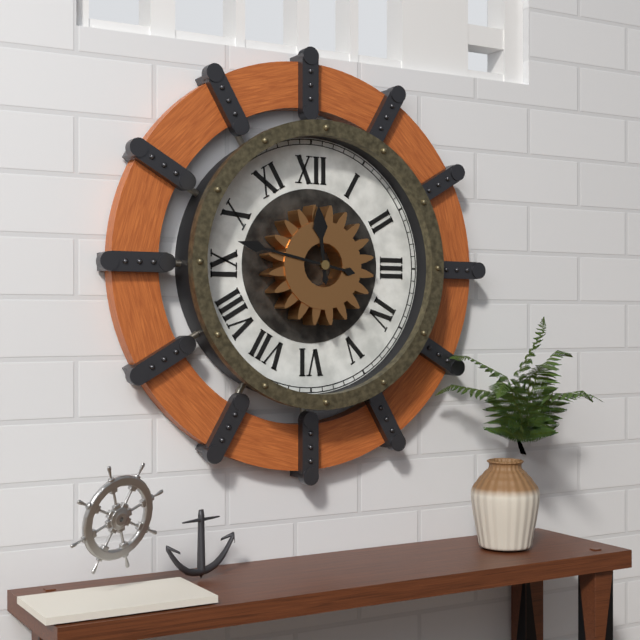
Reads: 11 h 47 min
